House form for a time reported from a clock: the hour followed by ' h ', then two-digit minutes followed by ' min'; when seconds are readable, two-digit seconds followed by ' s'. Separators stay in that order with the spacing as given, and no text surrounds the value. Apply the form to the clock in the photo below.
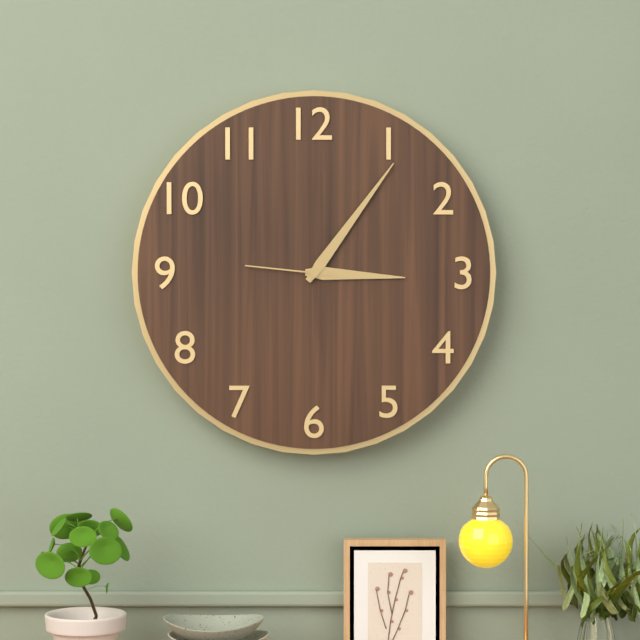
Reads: 3 h 06 min 46 s
